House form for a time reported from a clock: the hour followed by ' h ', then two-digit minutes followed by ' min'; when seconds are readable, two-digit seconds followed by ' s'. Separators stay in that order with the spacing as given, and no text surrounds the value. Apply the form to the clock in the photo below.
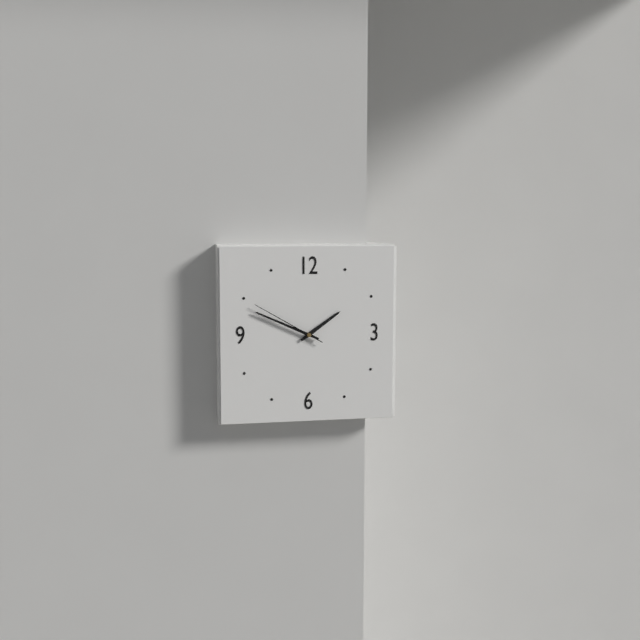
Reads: 1 h 49 min 50 s
